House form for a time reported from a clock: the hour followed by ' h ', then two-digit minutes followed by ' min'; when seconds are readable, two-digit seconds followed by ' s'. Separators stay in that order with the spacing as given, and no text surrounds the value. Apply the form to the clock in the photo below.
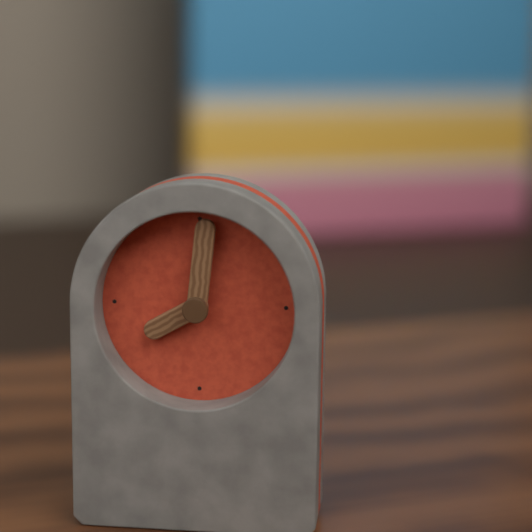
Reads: 8 h 01 min
